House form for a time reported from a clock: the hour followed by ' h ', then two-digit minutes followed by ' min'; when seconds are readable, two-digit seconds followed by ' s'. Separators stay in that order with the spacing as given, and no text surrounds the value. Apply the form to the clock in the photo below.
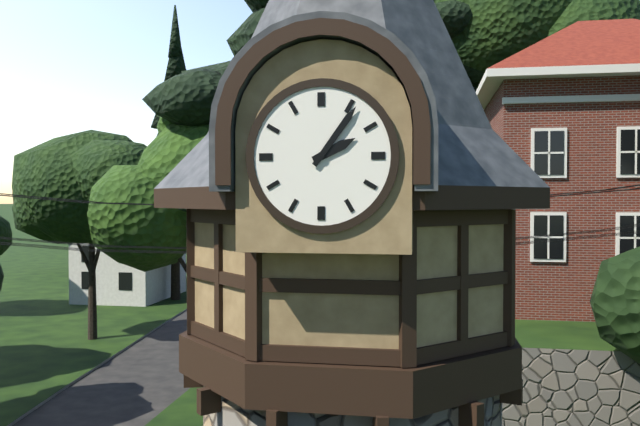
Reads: 2 h 06 min
